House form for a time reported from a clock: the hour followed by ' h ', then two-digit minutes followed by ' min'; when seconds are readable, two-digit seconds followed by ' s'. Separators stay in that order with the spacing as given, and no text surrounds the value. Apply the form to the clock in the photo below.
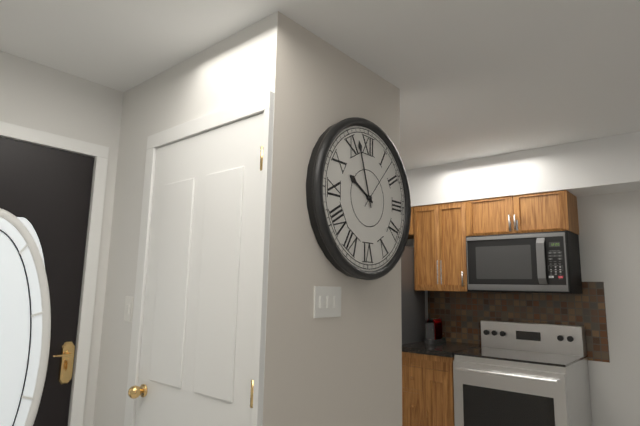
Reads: 9 h 57 min 07 s
